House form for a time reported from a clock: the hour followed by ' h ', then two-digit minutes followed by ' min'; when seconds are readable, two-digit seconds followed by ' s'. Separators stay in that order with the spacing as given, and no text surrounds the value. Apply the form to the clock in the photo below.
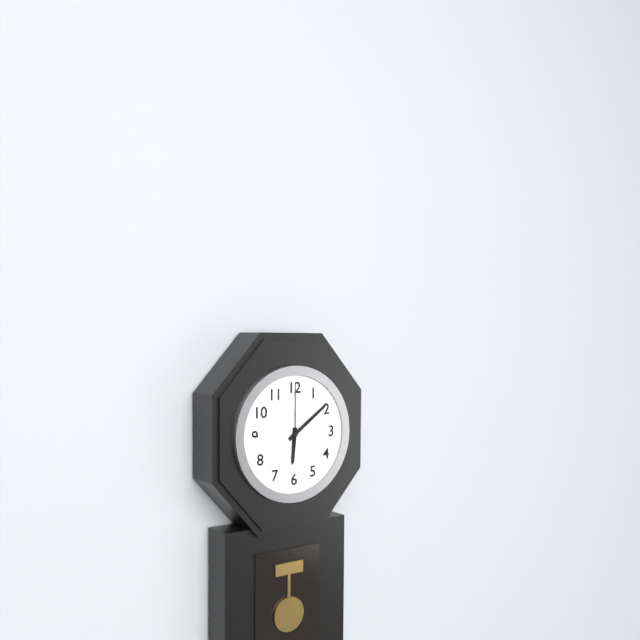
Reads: 6 h 09 min 00 s
